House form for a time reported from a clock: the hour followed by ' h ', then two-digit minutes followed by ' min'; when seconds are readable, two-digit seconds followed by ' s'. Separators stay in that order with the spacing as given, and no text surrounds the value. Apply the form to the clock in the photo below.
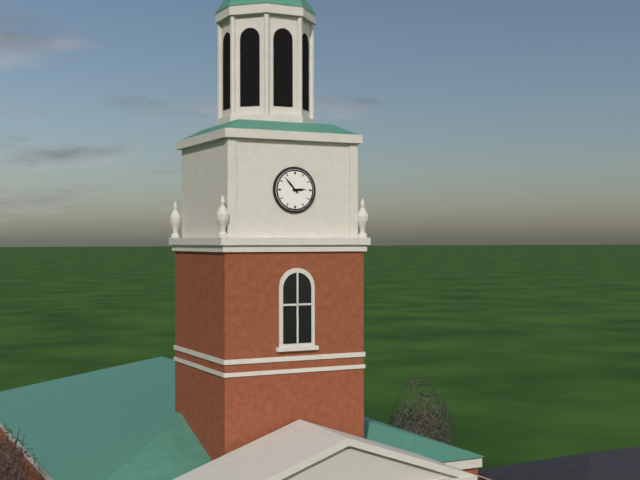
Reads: 2 h 53 min
